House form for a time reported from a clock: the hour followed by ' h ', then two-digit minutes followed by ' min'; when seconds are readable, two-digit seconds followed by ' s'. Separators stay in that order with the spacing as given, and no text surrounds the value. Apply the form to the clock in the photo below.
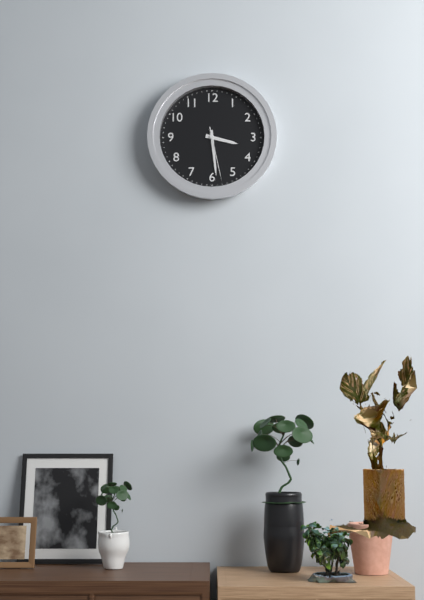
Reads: 3 h 29 min 28 s
